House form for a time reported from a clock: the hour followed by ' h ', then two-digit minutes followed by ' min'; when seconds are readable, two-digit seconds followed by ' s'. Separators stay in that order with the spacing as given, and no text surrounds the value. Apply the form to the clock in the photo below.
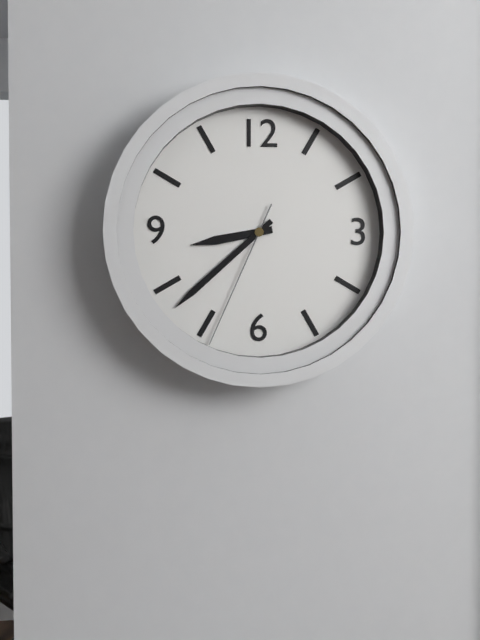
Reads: 8 h 38 min 34 s
